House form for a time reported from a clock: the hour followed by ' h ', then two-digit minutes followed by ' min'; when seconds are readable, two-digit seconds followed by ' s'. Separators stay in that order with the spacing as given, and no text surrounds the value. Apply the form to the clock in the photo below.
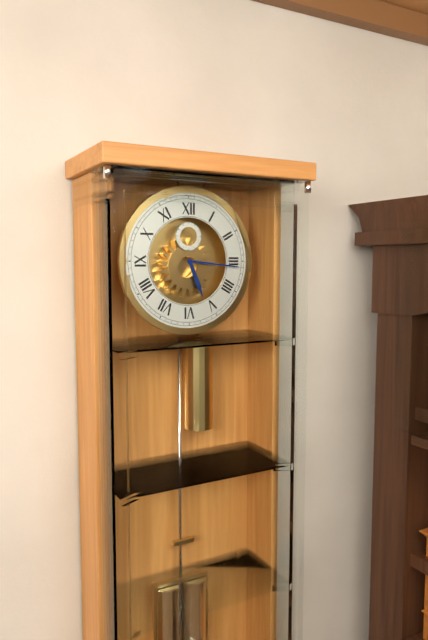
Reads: 5 h 16 min
